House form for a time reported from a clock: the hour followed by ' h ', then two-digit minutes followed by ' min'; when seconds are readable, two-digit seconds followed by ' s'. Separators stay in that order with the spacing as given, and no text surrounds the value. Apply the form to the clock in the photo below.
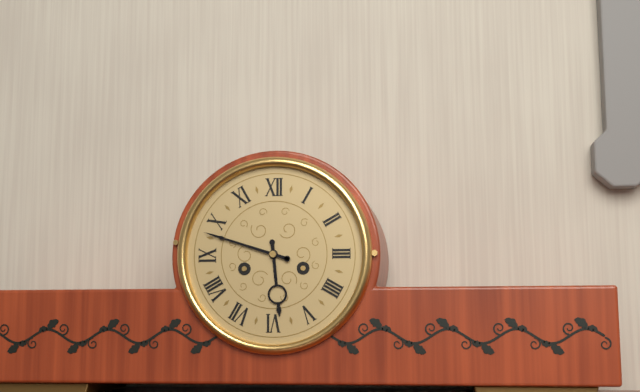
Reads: 5 h 48 min
